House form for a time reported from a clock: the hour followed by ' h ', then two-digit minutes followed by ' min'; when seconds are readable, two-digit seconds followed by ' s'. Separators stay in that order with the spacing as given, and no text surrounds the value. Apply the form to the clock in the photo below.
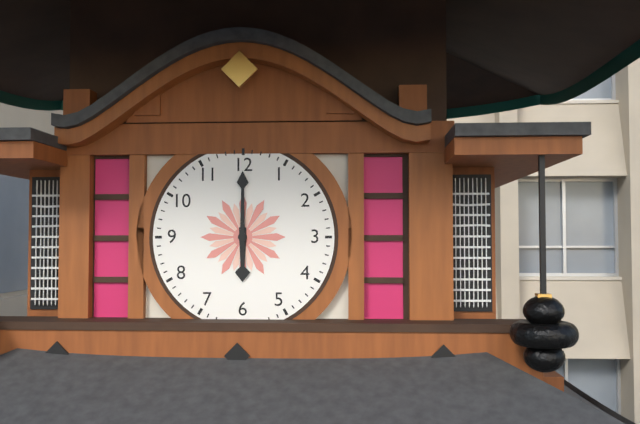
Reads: 6 h 00 min
